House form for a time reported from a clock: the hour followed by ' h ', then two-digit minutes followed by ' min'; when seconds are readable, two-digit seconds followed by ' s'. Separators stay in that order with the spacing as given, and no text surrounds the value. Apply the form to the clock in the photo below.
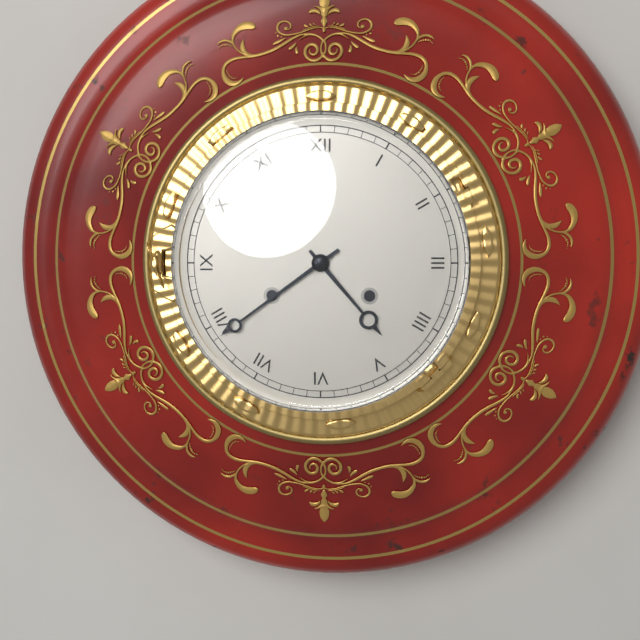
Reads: 4 h 39 min
